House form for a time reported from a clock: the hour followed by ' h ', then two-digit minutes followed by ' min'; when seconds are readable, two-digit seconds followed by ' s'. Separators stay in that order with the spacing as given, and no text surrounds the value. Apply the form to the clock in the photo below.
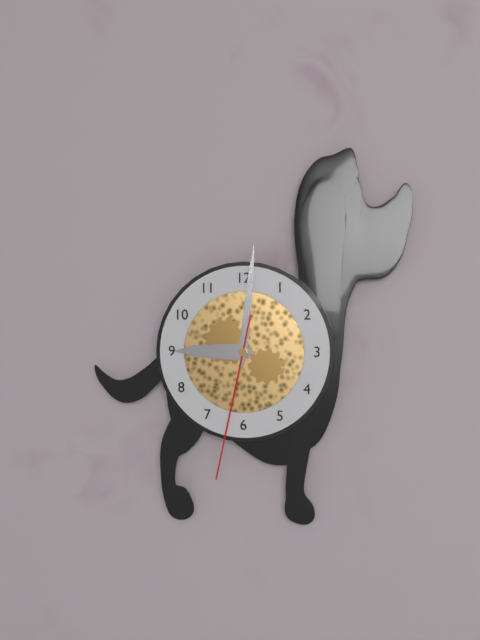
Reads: 9 h 01 min 32 s
